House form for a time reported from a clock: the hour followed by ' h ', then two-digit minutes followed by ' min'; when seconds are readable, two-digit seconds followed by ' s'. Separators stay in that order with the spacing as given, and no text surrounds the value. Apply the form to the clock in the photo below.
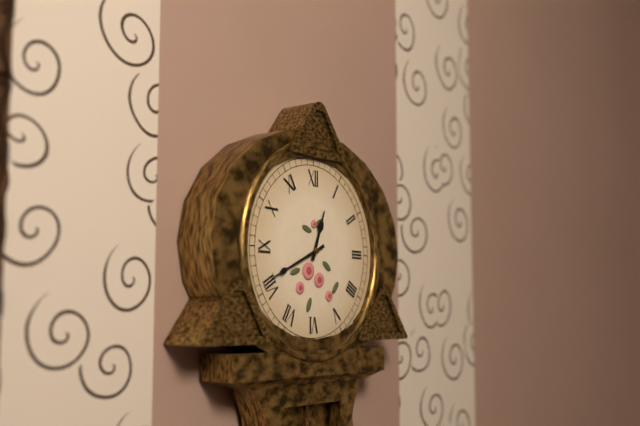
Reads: 12 h 41 min
